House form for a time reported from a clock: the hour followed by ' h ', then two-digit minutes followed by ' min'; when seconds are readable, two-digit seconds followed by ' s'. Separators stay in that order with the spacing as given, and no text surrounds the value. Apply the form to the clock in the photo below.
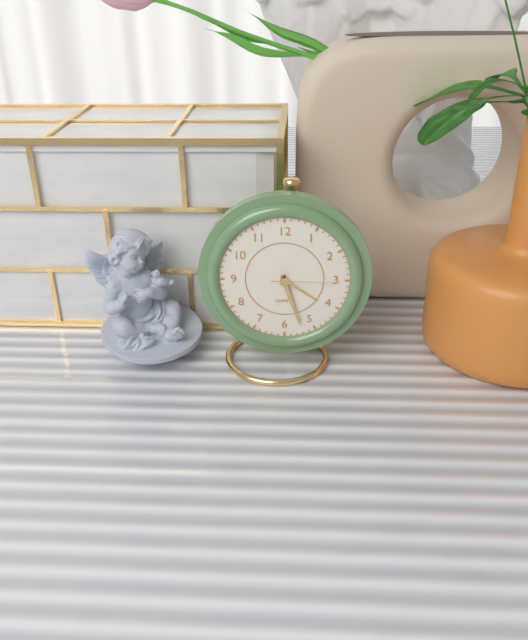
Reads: 5 h 27 min 15 s
